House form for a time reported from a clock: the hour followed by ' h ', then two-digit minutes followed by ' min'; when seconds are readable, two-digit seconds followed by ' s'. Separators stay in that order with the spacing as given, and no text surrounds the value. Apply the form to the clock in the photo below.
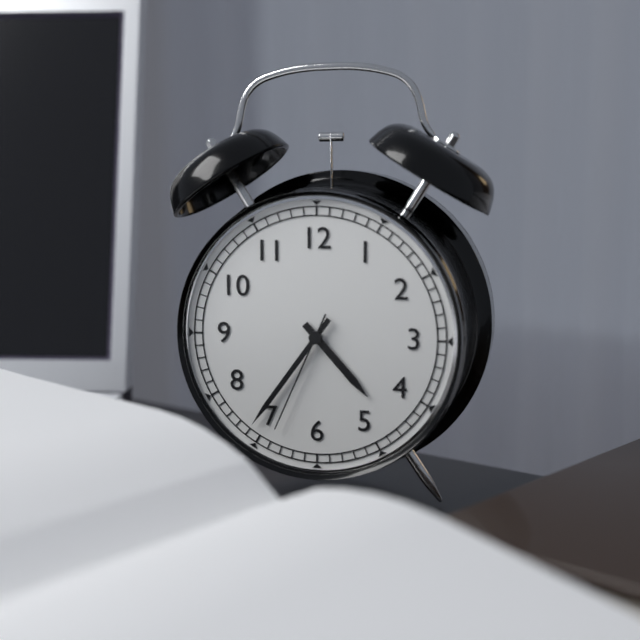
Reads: 4 h 36 min 34 s
